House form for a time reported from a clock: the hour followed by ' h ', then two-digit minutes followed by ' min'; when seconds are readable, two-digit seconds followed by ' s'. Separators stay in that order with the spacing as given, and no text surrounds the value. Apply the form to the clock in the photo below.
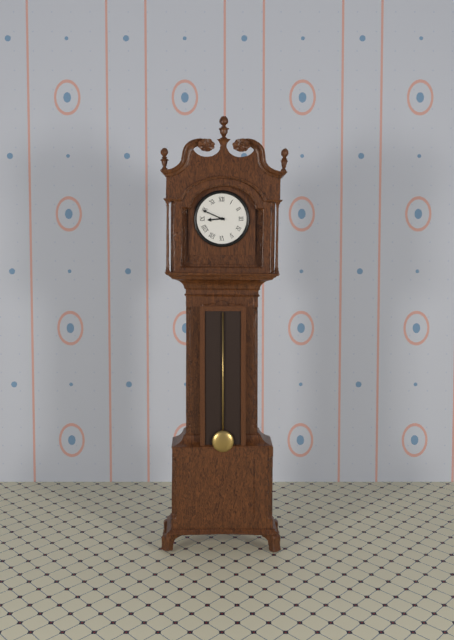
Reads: 8 h 49 min
